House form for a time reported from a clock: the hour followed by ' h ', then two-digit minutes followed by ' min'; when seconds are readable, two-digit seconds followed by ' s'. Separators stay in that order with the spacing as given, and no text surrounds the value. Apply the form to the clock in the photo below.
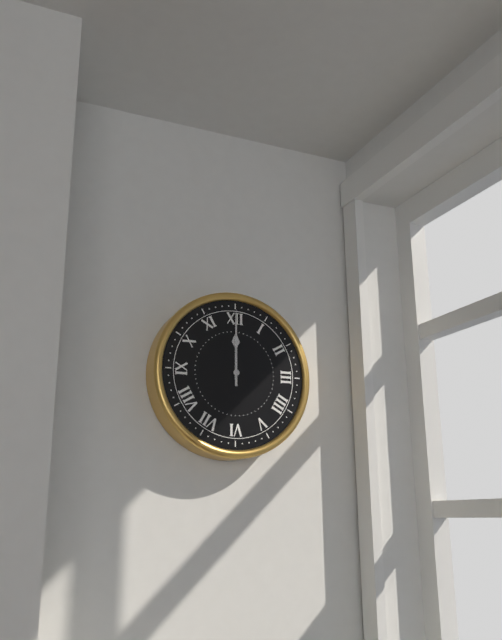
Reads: 12 h 00 min
